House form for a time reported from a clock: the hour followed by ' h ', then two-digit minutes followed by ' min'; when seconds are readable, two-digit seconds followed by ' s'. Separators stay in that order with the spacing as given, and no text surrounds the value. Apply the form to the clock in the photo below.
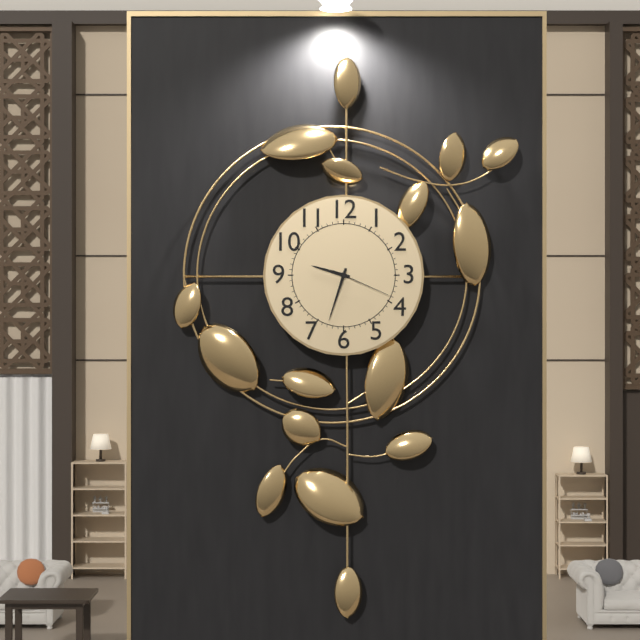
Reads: 9 h 33 min 19 s
